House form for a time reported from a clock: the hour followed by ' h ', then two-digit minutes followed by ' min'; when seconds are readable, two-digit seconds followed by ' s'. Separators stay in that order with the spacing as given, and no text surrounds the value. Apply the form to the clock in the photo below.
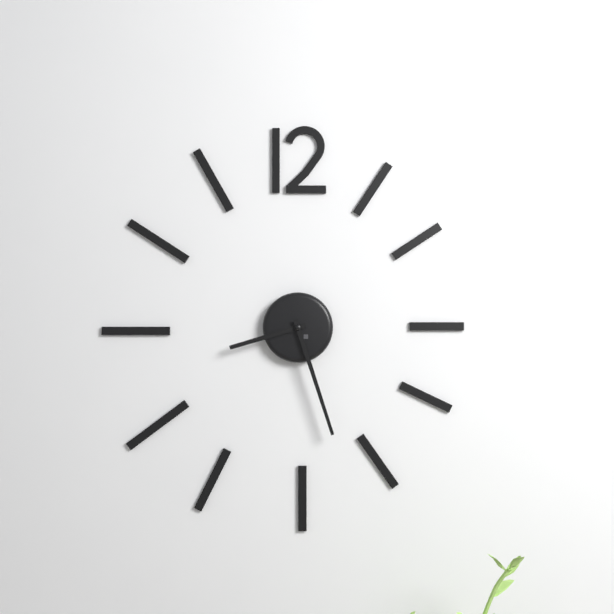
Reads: 8 h 27 min
